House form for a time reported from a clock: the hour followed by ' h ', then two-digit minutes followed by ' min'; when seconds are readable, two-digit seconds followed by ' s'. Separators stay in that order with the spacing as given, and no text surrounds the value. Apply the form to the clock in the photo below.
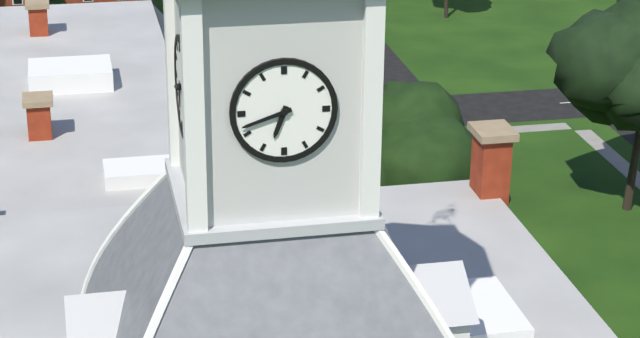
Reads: 6 h 42 min
